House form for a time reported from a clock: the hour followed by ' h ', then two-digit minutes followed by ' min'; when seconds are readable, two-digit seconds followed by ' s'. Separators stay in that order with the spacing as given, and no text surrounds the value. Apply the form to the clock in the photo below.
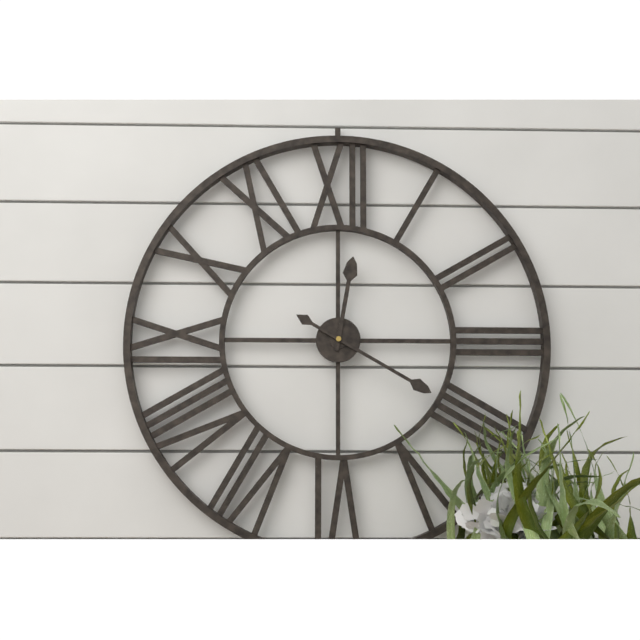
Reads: 12 h 20 min
